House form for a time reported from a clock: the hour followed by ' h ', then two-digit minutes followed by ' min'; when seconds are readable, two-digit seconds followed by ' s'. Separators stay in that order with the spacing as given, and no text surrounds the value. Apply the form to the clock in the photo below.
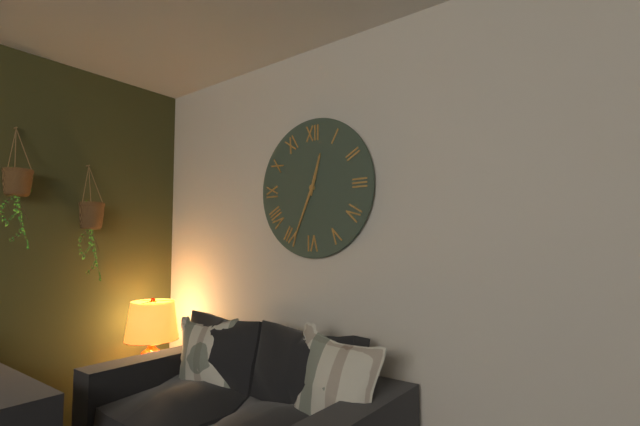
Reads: 12 h 34 min
